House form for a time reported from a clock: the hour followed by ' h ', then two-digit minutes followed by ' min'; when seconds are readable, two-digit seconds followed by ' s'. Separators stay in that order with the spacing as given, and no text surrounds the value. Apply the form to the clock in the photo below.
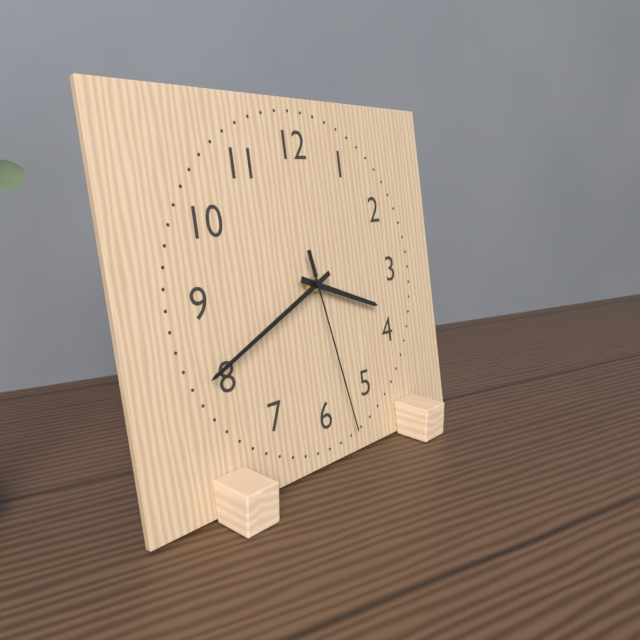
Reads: 3 h 41 min 28 s
